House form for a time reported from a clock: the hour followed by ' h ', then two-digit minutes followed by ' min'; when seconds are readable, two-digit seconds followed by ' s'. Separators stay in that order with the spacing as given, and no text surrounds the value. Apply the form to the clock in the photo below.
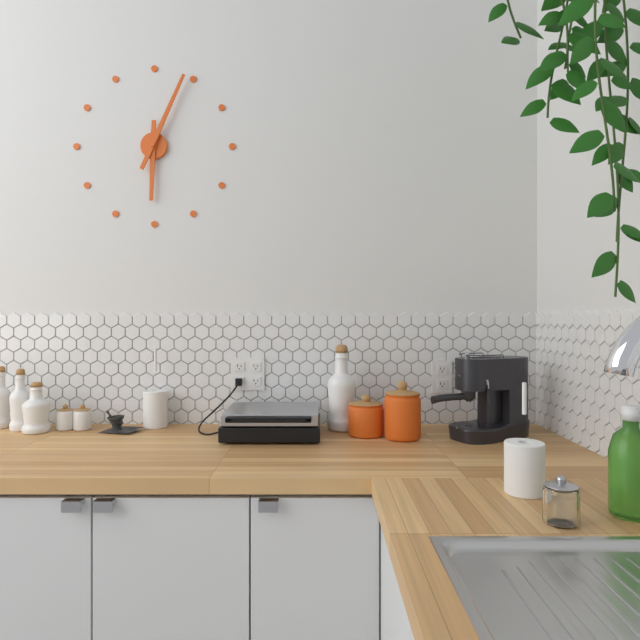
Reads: 6 h 04 min
